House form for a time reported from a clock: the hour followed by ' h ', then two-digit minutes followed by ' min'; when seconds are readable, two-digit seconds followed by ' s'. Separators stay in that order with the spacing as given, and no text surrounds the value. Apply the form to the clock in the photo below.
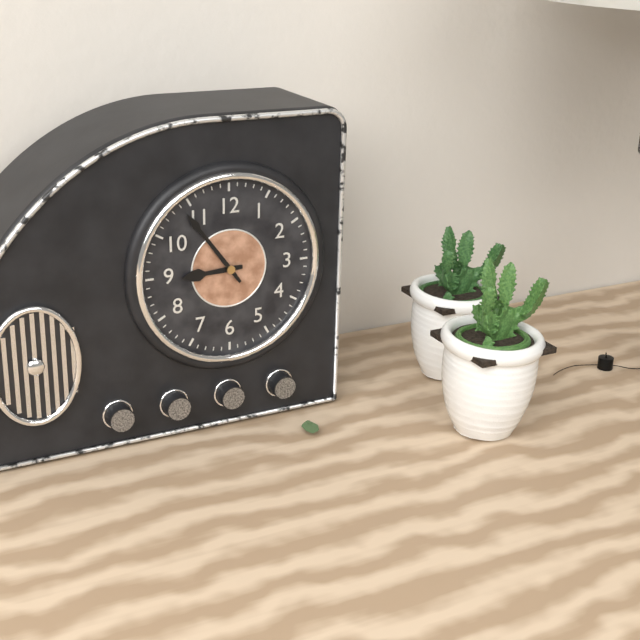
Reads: 8 h 54 min
